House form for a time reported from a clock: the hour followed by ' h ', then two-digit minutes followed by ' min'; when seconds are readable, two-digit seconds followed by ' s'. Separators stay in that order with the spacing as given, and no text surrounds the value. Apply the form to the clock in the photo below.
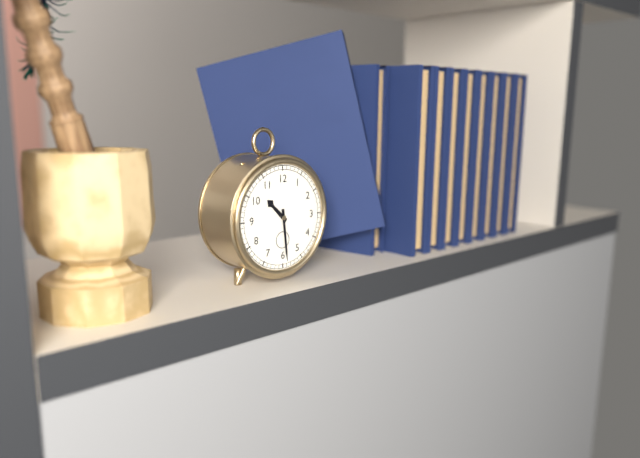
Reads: 10 h 29 min
